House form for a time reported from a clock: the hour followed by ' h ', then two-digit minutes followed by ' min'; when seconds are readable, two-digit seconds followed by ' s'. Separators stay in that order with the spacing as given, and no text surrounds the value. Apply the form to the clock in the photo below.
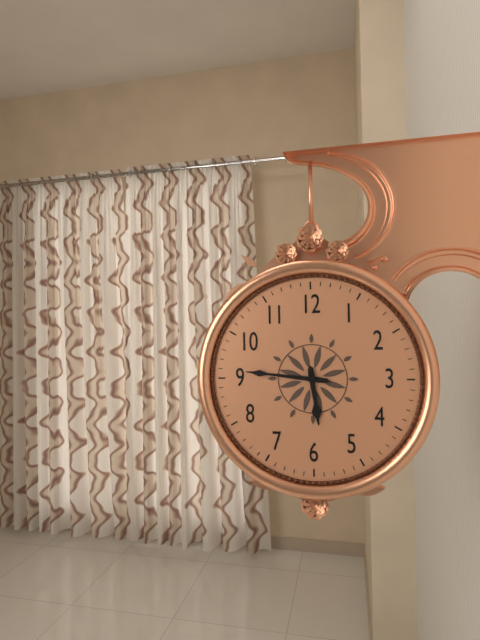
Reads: 5 h 46 min
